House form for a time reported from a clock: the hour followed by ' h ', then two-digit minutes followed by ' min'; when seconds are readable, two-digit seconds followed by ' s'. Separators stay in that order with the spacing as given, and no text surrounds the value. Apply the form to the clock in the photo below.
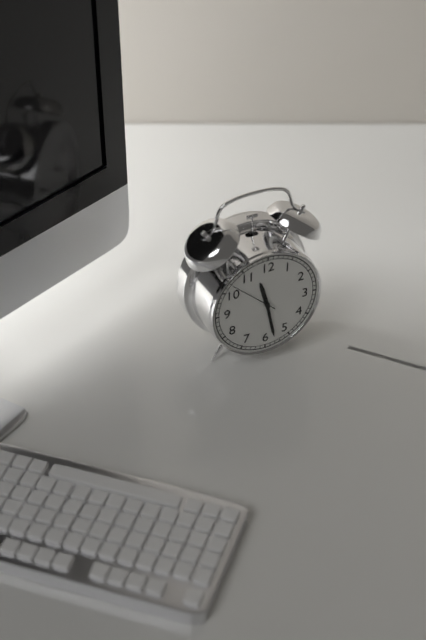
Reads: 11 h 28 min
